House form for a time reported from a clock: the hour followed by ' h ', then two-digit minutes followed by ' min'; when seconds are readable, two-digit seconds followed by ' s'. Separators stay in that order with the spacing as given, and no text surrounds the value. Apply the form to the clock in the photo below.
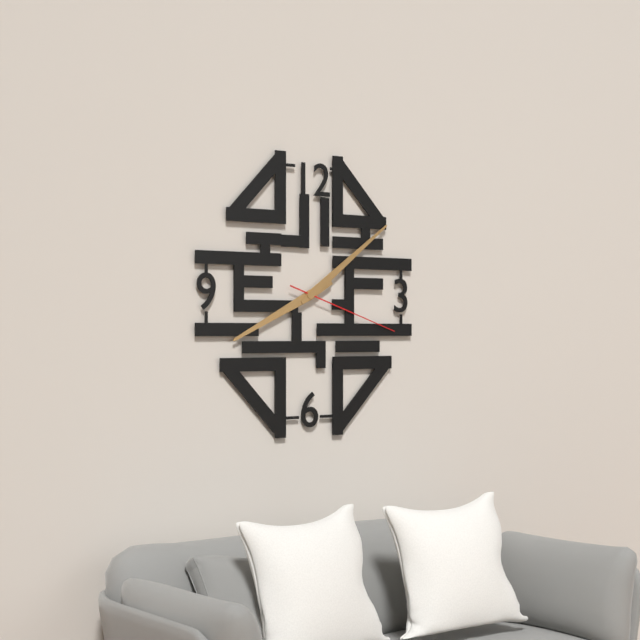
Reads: 8 h 09 min 18 s
